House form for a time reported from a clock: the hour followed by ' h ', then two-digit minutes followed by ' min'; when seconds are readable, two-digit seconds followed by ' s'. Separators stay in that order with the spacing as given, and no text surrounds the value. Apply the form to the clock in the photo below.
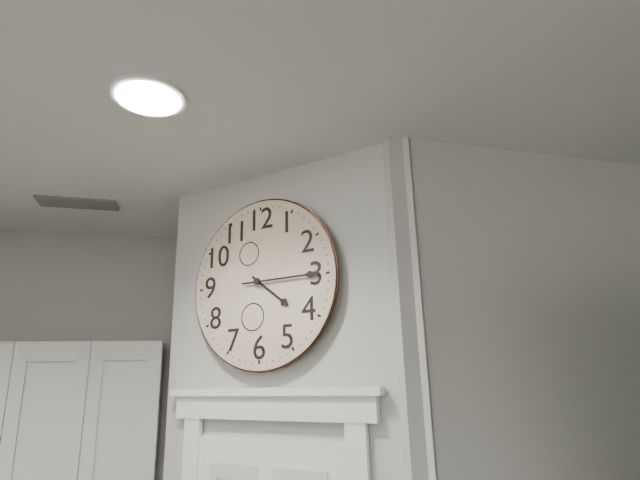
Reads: 4 h 15 min
